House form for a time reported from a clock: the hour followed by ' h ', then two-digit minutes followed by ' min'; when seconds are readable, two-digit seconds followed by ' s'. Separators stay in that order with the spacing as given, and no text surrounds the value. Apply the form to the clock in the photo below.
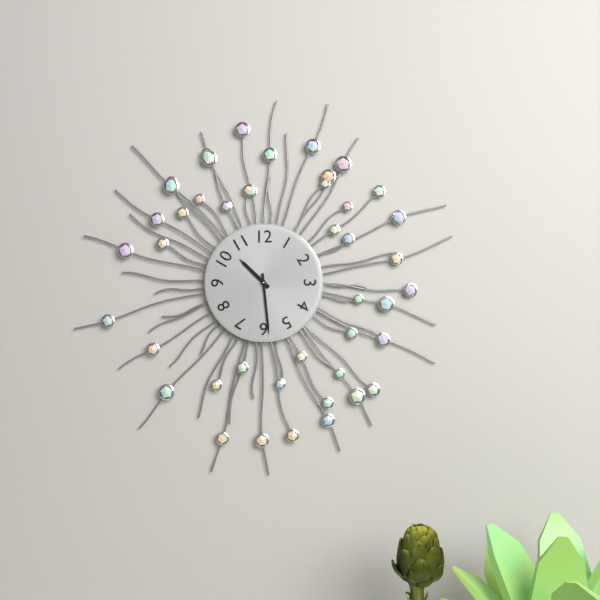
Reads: 10 h 29 min
